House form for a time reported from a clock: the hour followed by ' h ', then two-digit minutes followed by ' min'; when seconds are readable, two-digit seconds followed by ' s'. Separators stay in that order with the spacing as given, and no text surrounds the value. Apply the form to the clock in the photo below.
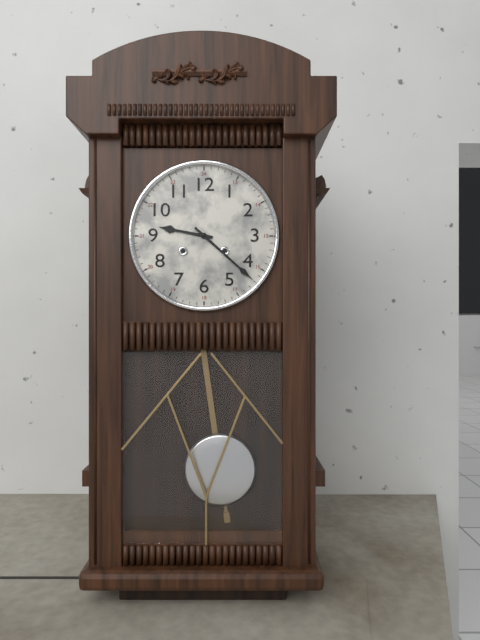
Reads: 9 h 22 min
